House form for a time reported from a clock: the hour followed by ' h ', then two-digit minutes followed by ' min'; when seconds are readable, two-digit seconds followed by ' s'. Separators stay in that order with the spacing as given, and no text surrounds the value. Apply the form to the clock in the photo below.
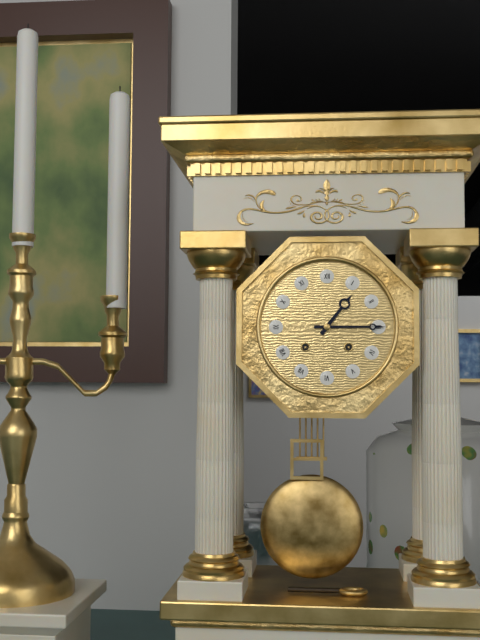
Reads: 1 h 15 min
